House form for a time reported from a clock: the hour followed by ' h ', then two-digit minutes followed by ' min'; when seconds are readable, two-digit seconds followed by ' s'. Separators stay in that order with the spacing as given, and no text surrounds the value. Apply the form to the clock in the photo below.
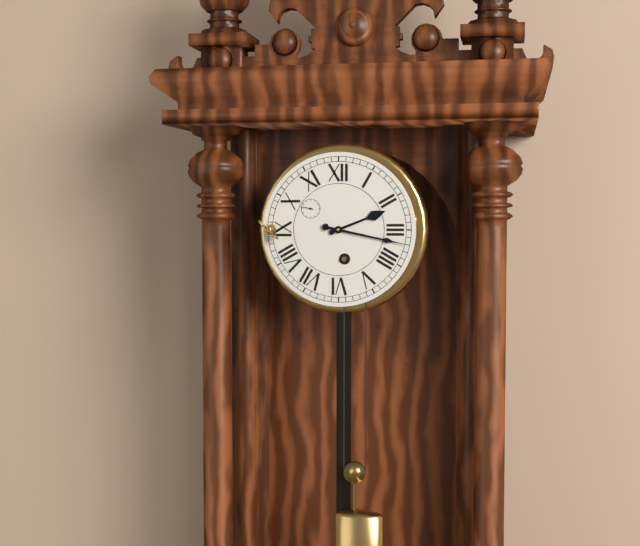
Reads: 2 h 17 min
